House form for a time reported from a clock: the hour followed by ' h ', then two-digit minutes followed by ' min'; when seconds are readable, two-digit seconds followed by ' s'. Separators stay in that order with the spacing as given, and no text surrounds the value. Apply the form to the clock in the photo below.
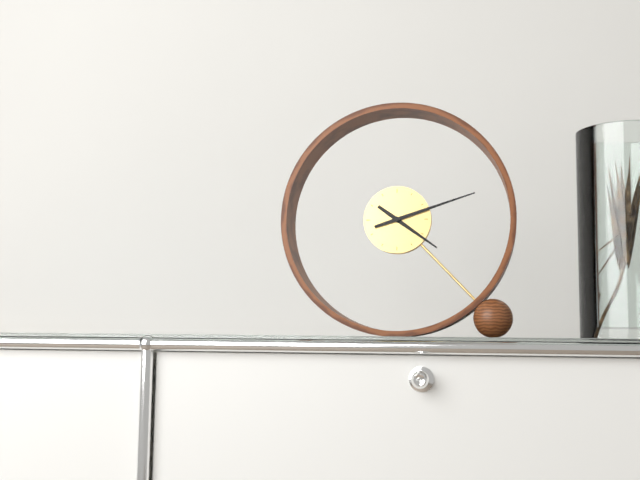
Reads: 4 h 12 min
